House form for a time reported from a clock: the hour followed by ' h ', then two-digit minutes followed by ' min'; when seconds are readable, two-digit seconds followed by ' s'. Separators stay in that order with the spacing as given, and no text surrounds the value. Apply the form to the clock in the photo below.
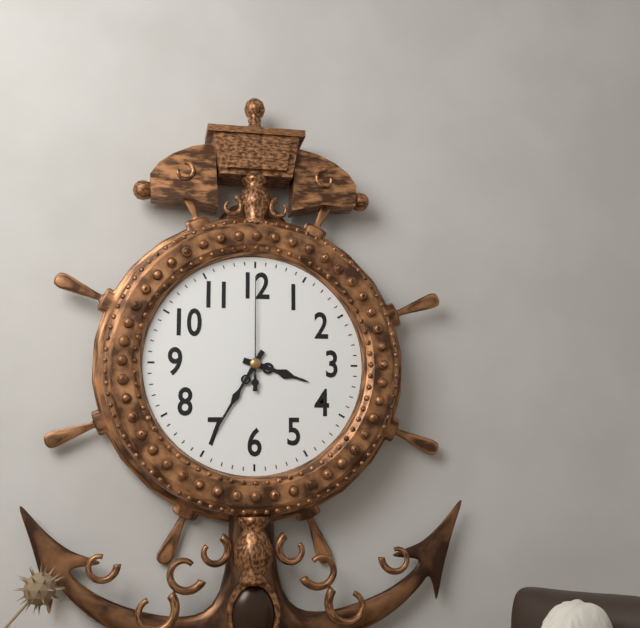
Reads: 3 h 35 min 00 s
